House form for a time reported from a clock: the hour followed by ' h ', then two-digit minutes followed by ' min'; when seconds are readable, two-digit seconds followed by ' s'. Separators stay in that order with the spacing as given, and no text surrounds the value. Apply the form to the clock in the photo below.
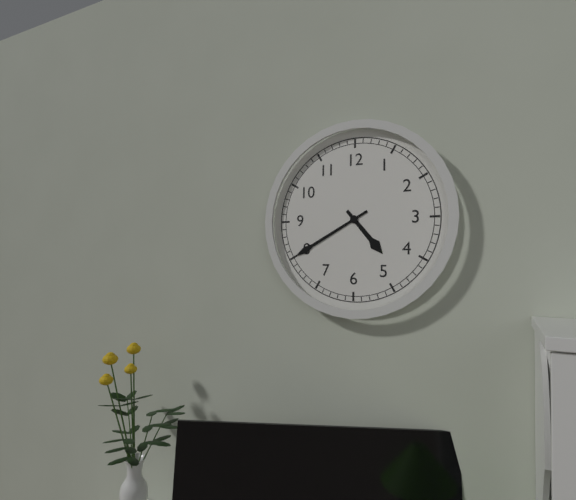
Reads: 4 h 40 min
